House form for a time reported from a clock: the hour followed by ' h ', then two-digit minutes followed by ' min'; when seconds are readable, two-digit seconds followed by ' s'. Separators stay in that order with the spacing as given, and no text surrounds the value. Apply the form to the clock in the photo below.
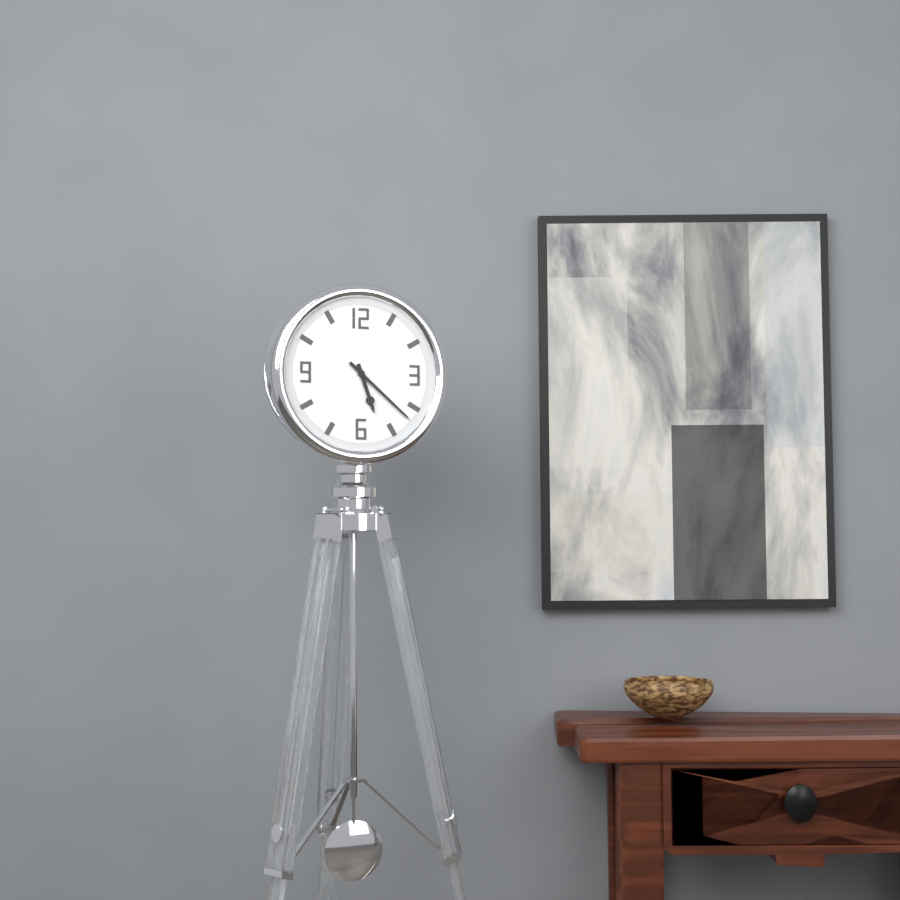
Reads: 5 h 22 min
